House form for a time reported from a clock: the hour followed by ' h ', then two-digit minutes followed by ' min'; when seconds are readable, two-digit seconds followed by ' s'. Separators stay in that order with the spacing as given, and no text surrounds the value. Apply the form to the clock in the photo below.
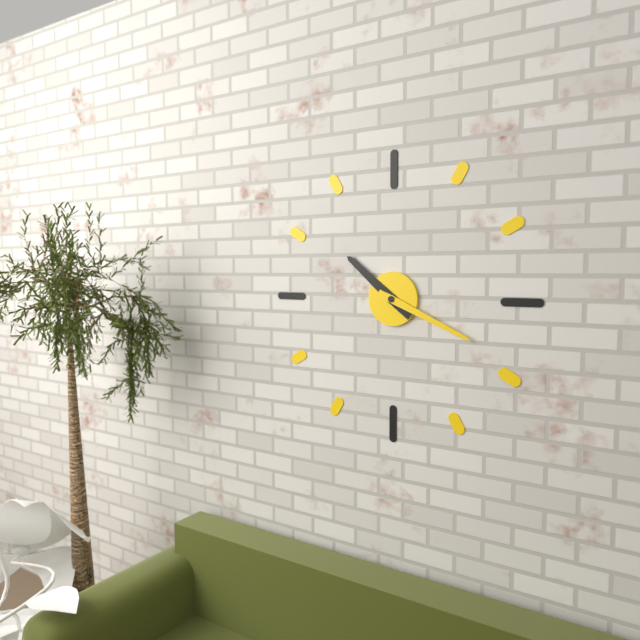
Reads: 10 h 19 min
